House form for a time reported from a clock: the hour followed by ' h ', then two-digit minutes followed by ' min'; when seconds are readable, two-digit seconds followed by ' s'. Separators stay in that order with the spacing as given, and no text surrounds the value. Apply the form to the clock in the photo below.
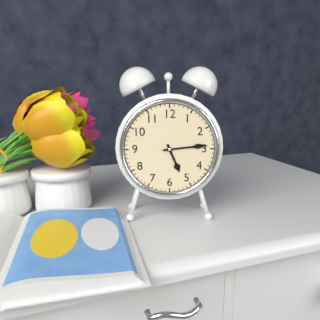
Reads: 5 h 14 min
